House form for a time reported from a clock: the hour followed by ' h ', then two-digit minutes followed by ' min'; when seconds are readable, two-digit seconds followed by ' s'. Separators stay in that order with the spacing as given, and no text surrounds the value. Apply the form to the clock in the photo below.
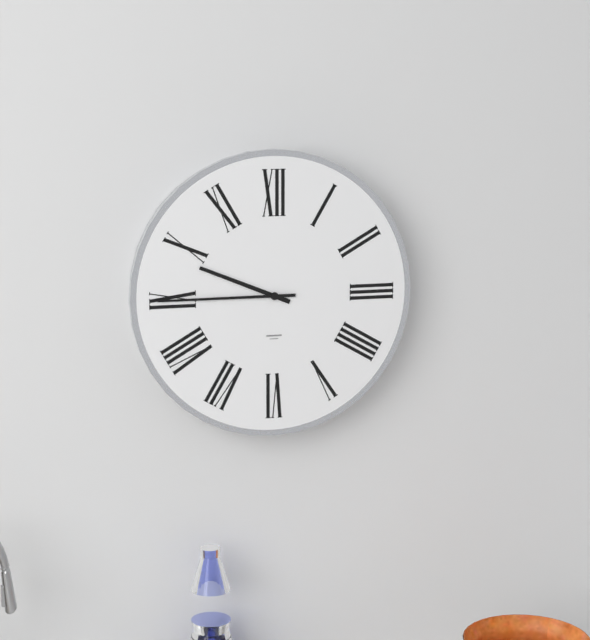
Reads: 9 h 45 min
